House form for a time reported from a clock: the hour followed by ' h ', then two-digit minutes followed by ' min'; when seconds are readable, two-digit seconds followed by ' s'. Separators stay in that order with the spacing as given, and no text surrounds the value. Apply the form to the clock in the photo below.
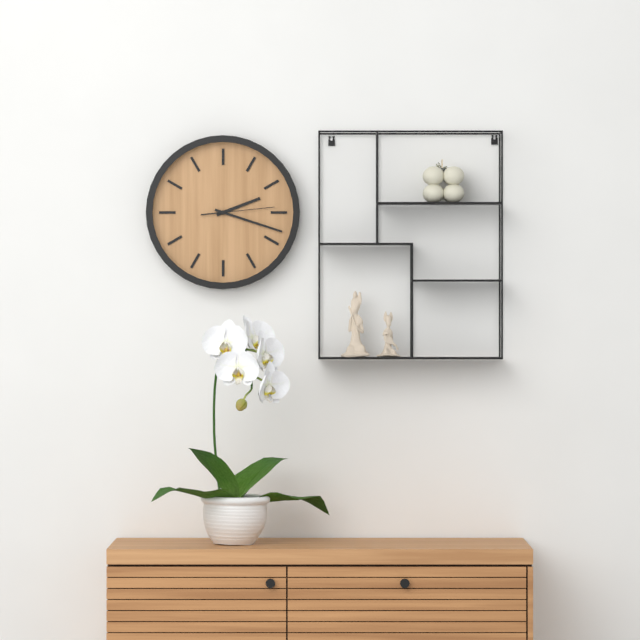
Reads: 2 h 18 min 14 s
